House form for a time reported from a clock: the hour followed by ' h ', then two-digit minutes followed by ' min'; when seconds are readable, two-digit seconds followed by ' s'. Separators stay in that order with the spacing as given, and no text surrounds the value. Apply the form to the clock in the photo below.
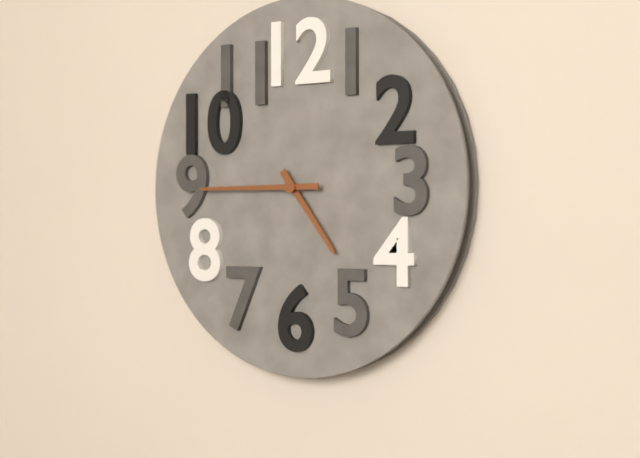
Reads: 4 h 45 min
